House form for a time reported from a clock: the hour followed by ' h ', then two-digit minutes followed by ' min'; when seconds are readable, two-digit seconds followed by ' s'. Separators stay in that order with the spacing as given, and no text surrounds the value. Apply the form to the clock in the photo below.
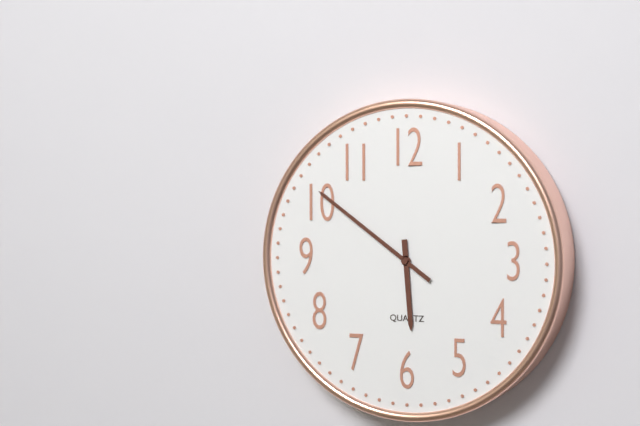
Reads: 5 h 51 min
